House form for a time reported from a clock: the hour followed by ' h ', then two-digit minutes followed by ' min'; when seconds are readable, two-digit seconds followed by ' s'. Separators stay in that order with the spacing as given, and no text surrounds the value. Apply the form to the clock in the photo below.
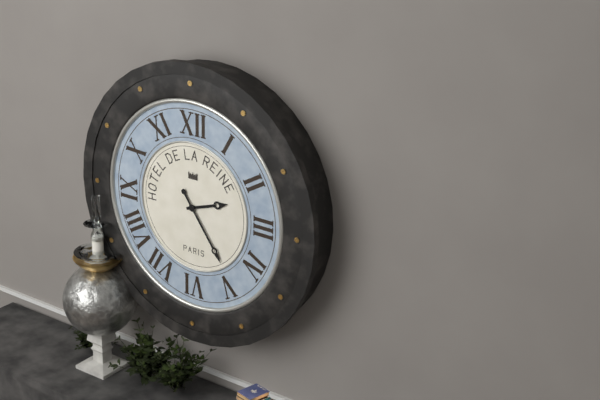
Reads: 2 h 24 min
